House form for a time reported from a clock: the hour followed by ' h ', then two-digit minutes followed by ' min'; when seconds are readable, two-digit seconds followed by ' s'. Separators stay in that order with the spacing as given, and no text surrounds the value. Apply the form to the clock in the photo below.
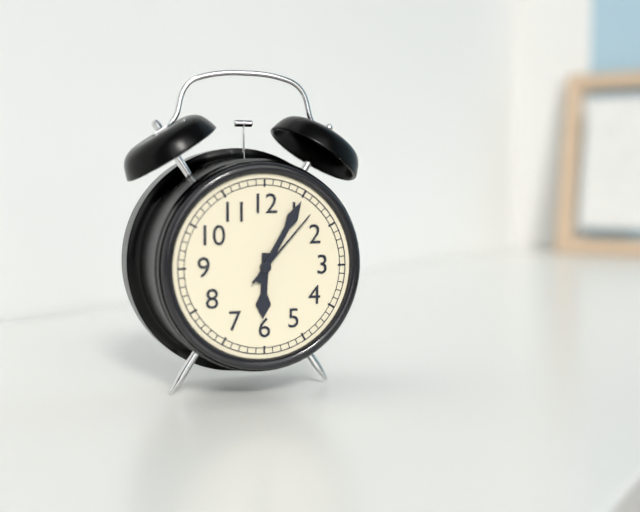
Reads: 6 h 05 min 07 s
